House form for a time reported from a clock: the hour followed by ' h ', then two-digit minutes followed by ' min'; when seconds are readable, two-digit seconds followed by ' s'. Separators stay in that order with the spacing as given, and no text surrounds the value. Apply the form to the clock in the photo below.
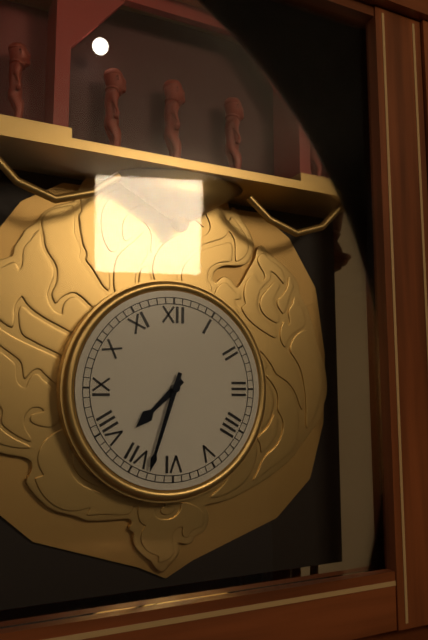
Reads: 7 h 33 min
